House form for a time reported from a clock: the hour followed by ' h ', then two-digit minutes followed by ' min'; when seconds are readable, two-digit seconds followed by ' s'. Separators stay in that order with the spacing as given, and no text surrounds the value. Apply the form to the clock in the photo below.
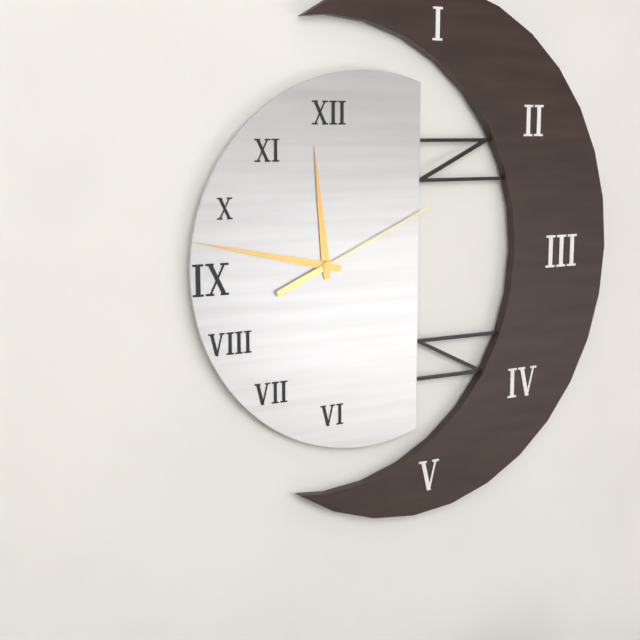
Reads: 11 h 47 min 11 s
